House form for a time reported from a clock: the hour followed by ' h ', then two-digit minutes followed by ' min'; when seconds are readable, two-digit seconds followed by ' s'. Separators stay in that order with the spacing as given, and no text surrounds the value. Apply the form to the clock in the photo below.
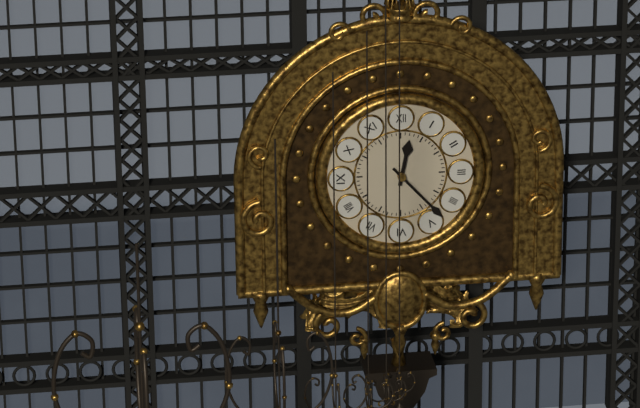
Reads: 12 h 23 min
